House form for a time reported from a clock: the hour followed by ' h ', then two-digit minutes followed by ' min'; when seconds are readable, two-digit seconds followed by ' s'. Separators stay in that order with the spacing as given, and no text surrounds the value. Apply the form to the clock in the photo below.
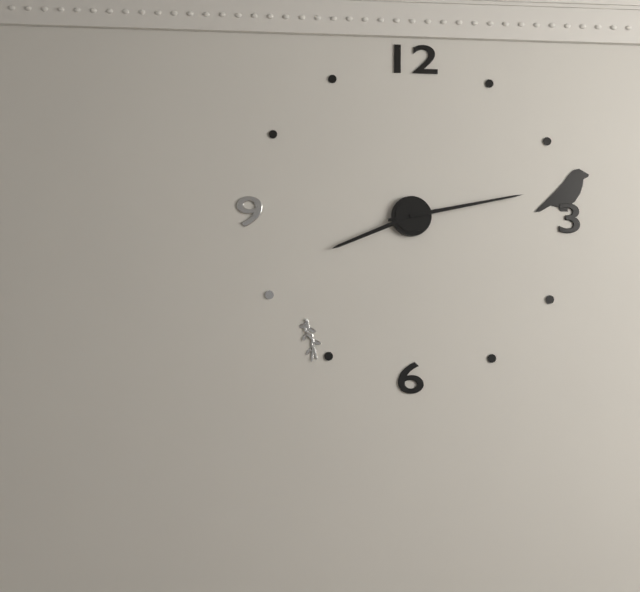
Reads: 8 h 13 min
